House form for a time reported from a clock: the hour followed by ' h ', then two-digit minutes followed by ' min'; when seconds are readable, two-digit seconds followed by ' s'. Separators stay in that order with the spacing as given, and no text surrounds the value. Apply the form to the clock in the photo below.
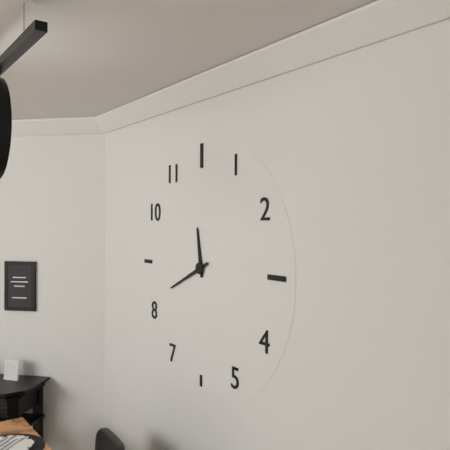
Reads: 11 h 41 min
